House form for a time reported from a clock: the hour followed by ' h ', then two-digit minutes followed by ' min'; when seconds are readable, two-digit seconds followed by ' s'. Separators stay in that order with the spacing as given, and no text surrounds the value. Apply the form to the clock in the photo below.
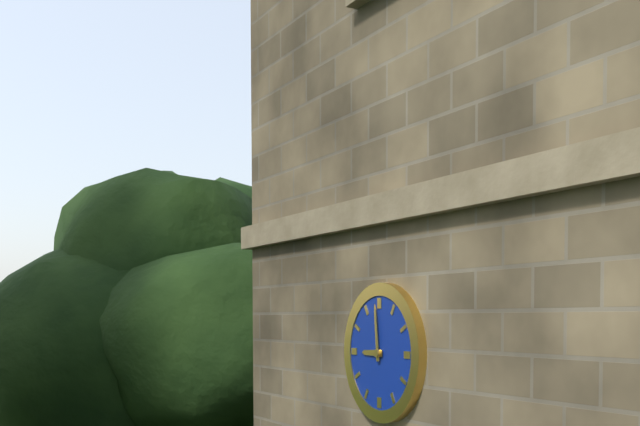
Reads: 8 h 59 min
